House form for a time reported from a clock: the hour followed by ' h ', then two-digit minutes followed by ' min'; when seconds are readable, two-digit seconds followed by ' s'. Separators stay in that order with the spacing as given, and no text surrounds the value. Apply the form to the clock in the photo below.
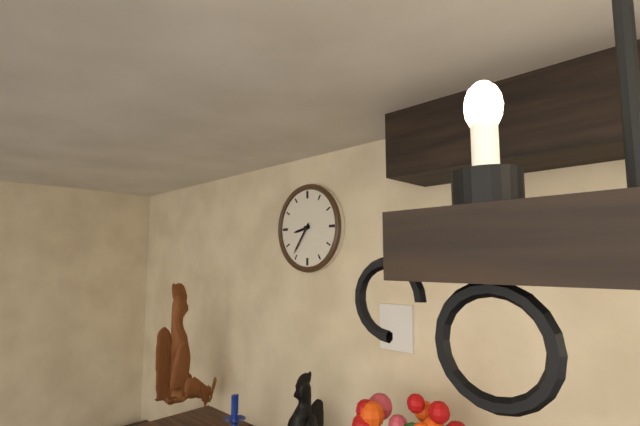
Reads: 8 h 36 min
